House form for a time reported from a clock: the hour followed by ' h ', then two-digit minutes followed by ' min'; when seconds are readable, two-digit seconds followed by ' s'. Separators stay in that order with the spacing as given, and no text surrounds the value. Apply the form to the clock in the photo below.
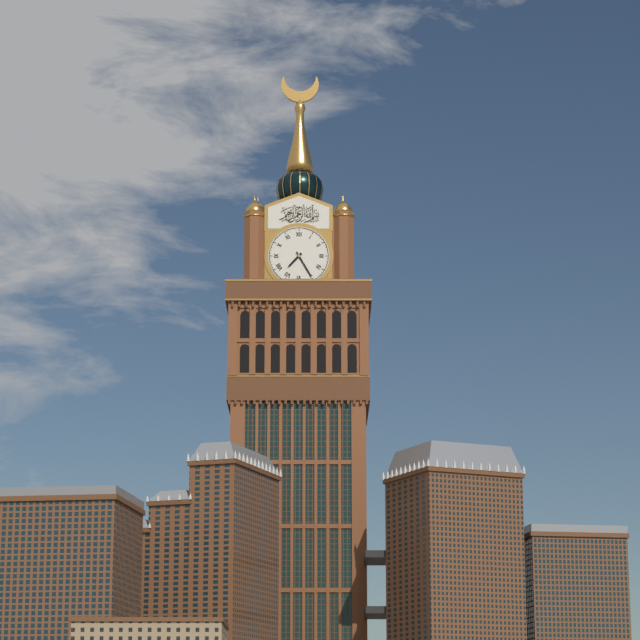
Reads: 7 h 25 min
